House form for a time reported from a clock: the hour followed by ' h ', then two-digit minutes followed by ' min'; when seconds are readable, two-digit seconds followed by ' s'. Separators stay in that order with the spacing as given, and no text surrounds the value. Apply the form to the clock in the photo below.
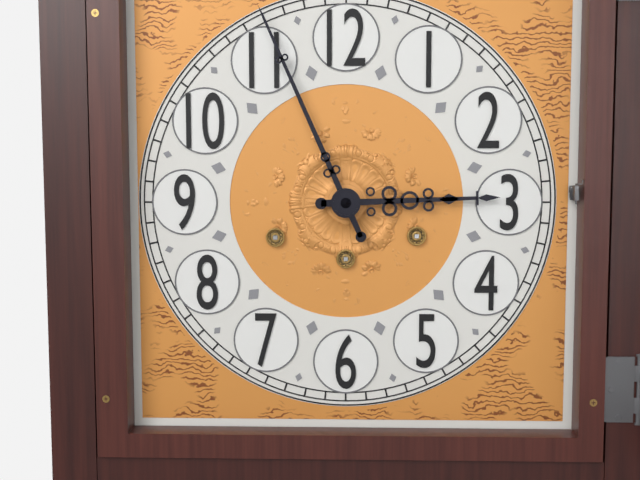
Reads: 2 h 56 min
